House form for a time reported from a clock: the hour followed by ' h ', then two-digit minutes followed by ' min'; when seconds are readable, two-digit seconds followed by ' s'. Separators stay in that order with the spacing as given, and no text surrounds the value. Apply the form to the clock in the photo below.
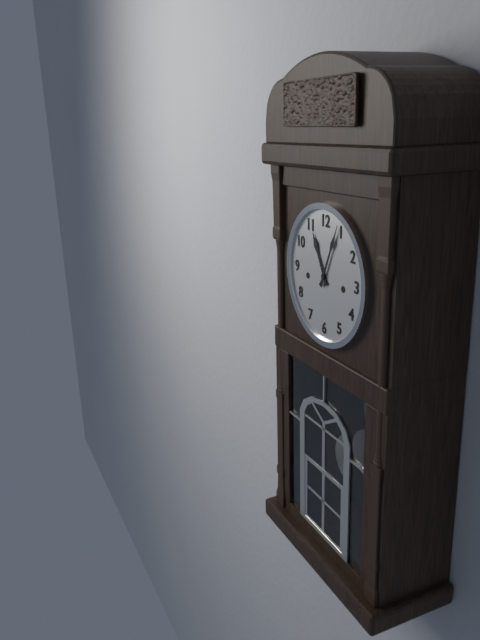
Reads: 11 h 04 min
